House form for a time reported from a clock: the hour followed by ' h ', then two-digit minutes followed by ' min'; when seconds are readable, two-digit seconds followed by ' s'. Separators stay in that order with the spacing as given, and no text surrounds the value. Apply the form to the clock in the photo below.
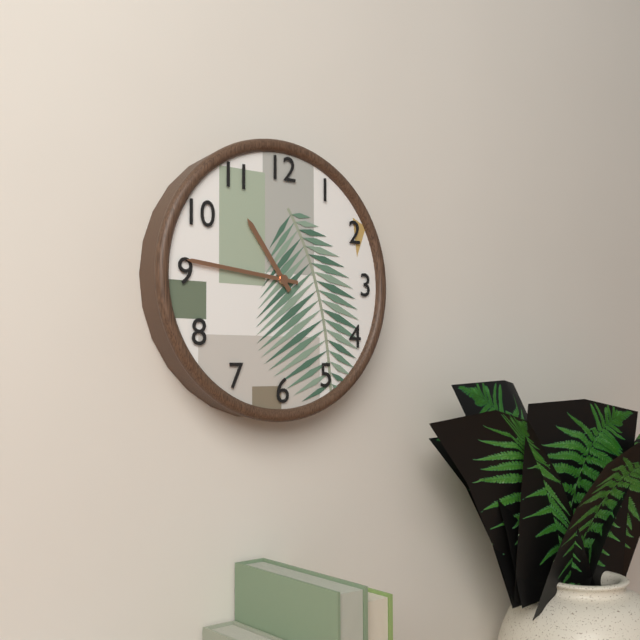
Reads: 10 h 46 min
